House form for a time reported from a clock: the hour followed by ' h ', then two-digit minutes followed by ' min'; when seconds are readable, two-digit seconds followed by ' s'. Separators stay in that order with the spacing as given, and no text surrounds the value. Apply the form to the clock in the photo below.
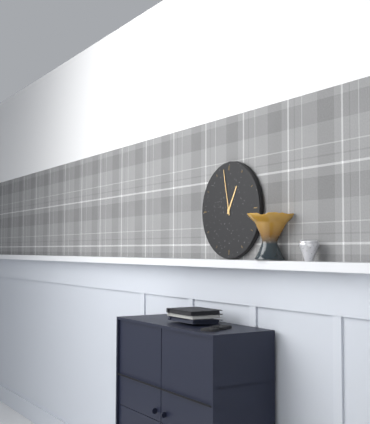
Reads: 12 h 58 min
